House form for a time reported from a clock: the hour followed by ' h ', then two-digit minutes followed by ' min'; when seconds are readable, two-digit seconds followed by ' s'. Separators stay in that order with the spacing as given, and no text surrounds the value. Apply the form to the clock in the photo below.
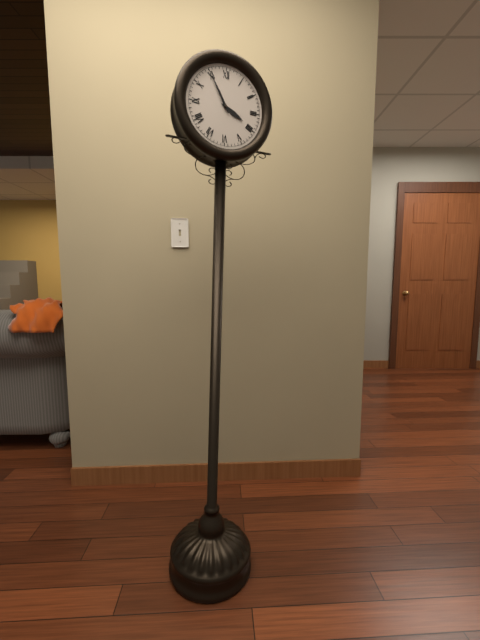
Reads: 3 h 55 min
